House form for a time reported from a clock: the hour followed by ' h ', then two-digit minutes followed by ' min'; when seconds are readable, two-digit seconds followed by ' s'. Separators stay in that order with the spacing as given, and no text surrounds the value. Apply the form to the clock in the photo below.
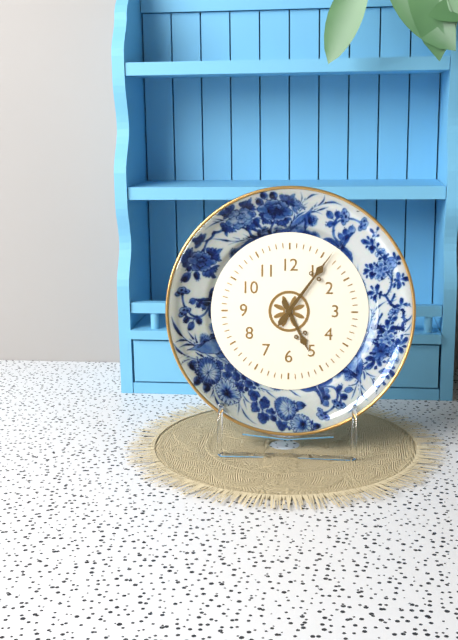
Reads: 5 h 06 min
